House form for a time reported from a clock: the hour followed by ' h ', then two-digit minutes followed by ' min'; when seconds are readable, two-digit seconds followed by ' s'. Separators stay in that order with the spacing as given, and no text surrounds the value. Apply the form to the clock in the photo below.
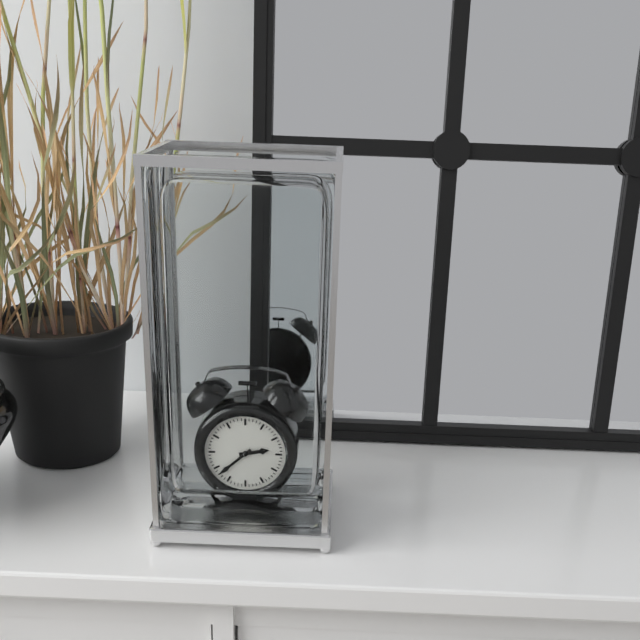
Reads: 2 h 38 min
